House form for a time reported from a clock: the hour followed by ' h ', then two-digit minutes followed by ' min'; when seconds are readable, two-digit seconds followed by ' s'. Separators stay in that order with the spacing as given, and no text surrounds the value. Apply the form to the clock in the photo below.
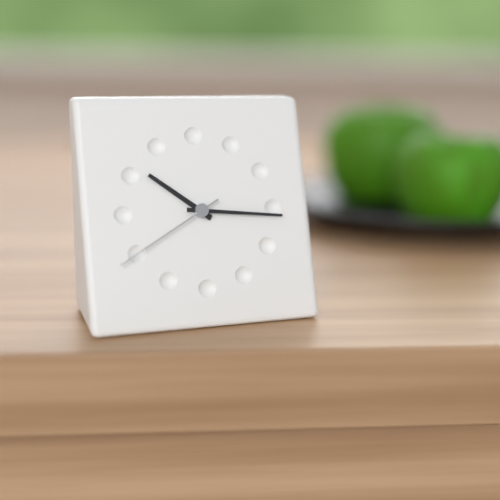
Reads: 10 h 16 min 40 s
